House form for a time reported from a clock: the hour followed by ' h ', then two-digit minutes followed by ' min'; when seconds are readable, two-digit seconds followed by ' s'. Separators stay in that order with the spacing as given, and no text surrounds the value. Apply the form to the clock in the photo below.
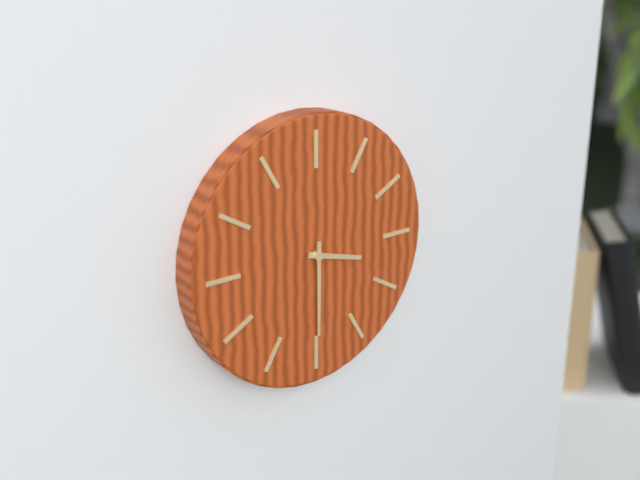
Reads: 3 h 30 min
